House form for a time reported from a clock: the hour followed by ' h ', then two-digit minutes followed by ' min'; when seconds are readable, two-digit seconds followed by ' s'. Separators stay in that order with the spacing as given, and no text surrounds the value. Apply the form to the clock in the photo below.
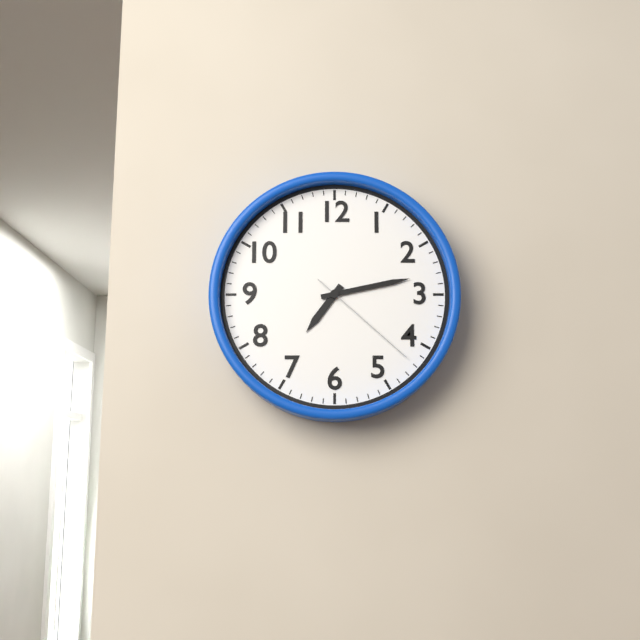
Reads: 7 h 13 min 22 s
